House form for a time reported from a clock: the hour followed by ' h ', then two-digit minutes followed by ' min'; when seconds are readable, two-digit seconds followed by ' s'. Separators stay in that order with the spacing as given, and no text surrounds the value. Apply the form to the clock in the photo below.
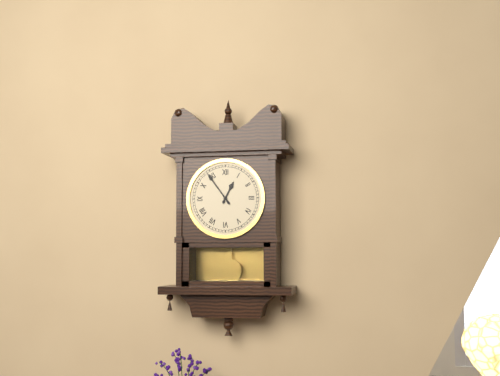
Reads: 12 h 54 min
